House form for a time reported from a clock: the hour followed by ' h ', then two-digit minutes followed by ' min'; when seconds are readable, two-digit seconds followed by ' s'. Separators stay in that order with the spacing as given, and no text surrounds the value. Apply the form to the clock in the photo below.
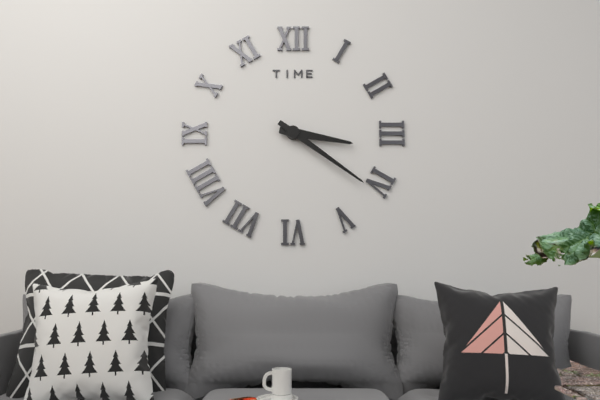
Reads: 3 h 21 min
